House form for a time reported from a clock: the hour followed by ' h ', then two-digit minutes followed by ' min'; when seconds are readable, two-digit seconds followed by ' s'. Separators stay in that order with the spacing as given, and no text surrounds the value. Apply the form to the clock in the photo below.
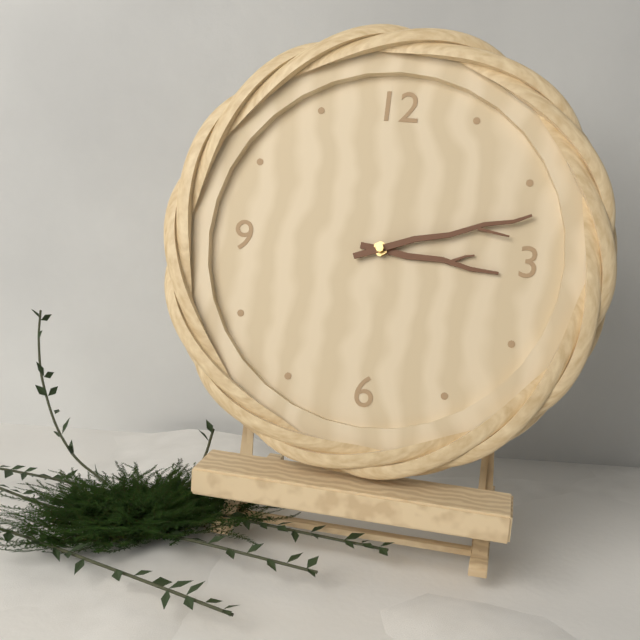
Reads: 3 h 12 min
